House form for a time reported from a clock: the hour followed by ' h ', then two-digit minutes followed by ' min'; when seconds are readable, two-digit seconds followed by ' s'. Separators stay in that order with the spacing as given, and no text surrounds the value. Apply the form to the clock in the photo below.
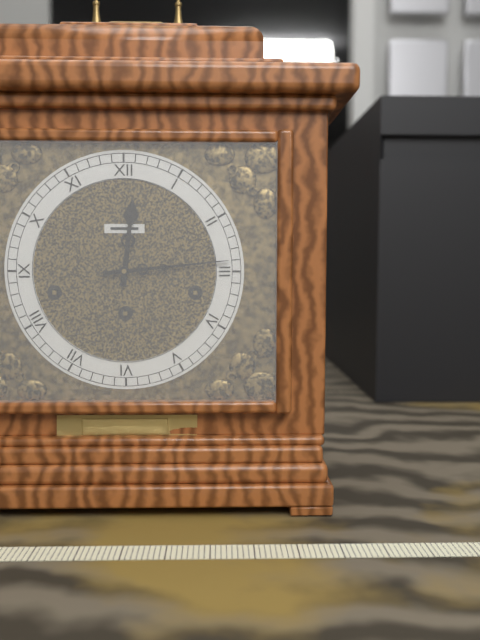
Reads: 12 h 14 min
